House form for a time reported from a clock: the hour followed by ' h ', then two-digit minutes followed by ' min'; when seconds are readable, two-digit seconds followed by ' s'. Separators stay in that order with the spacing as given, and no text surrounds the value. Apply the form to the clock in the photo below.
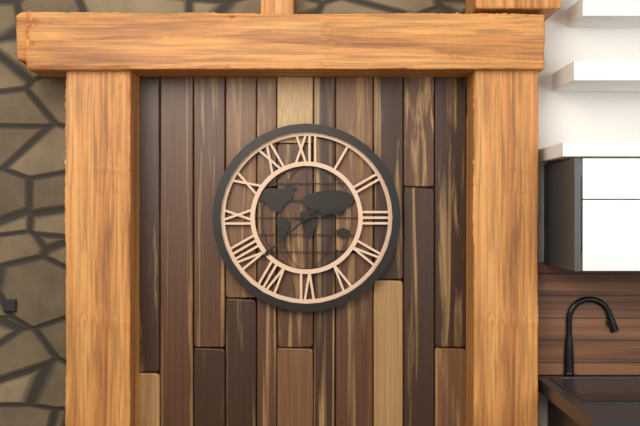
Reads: 2 h 38 min
